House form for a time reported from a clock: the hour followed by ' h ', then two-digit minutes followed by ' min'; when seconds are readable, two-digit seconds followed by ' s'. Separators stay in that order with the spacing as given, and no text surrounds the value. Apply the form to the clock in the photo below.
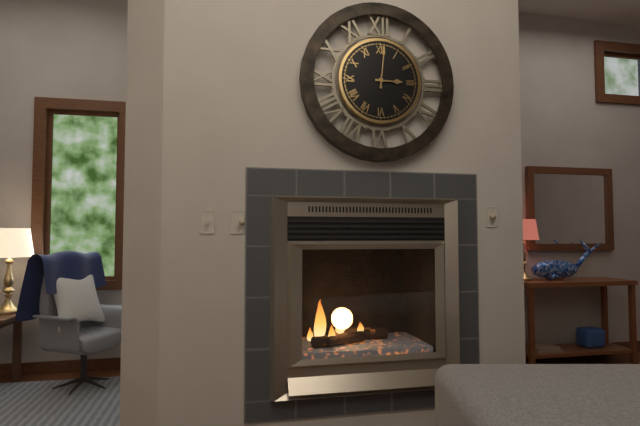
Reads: 3 h 01 min
